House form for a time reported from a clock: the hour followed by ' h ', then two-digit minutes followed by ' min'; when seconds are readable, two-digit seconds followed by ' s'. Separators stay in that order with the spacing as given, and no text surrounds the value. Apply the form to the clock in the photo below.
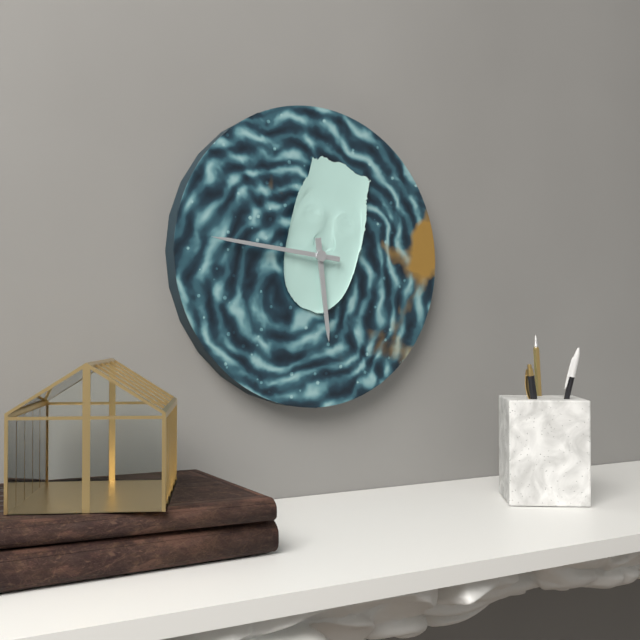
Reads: 5 h 46 min
